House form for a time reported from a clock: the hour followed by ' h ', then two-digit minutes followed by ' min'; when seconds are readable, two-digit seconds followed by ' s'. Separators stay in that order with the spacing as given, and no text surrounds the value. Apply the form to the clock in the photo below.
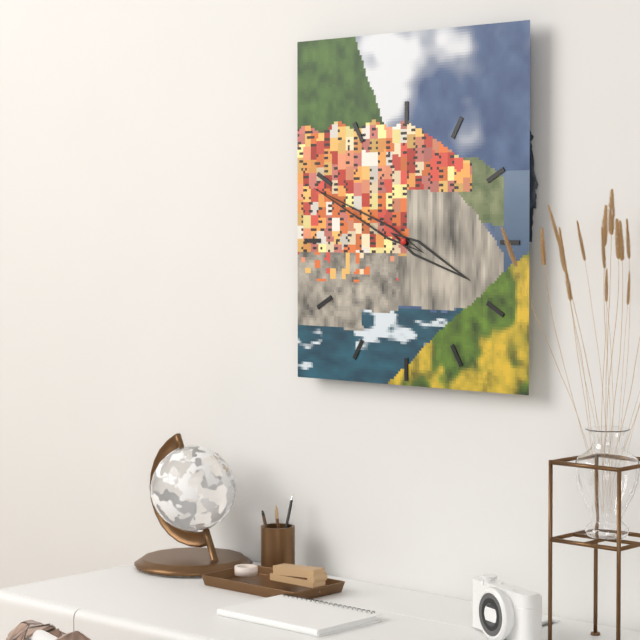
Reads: 3 h 49 min
